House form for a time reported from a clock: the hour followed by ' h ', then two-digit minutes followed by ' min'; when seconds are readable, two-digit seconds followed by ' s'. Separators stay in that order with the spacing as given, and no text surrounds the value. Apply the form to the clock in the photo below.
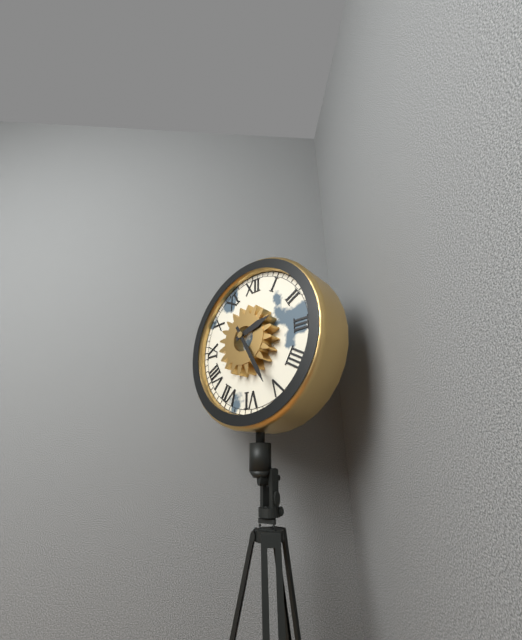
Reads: 2 h 25 min
